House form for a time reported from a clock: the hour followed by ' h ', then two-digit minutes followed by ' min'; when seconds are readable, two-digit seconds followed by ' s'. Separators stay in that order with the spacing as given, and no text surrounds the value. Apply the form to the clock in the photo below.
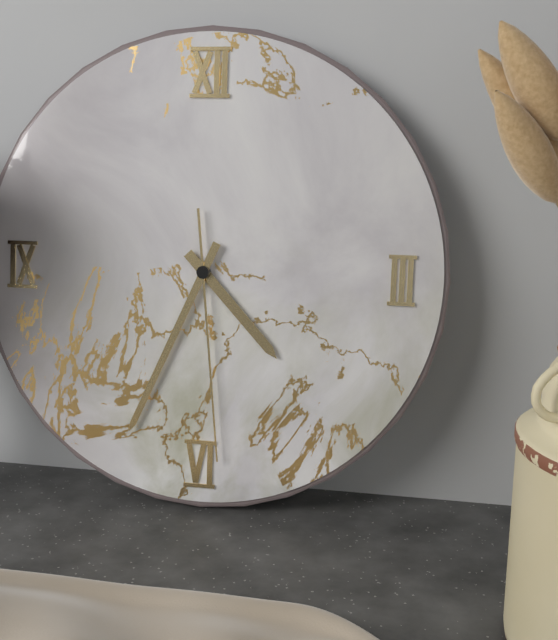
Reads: 4 h 34 min 29 s
